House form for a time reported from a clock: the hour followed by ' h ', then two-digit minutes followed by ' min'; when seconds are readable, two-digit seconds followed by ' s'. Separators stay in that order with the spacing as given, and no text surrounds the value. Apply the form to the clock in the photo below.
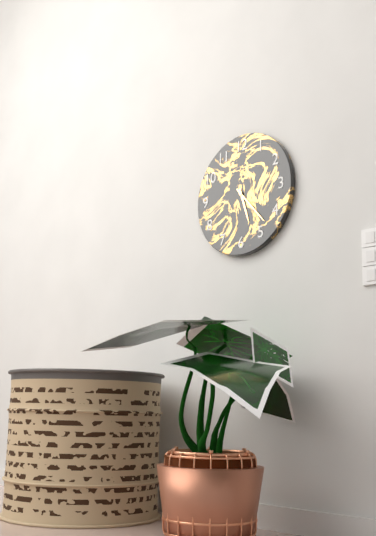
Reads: 5 h 23 min
